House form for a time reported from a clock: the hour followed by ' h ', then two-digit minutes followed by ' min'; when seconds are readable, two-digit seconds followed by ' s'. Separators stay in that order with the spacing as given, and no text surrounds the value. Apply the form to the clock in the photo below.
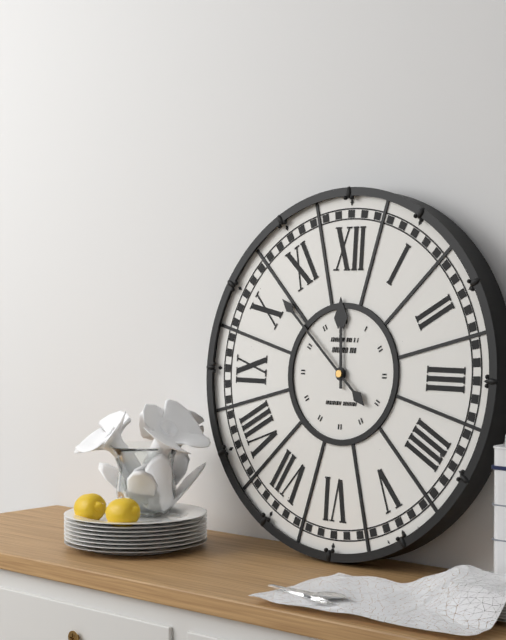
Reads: 11 h 52 min
